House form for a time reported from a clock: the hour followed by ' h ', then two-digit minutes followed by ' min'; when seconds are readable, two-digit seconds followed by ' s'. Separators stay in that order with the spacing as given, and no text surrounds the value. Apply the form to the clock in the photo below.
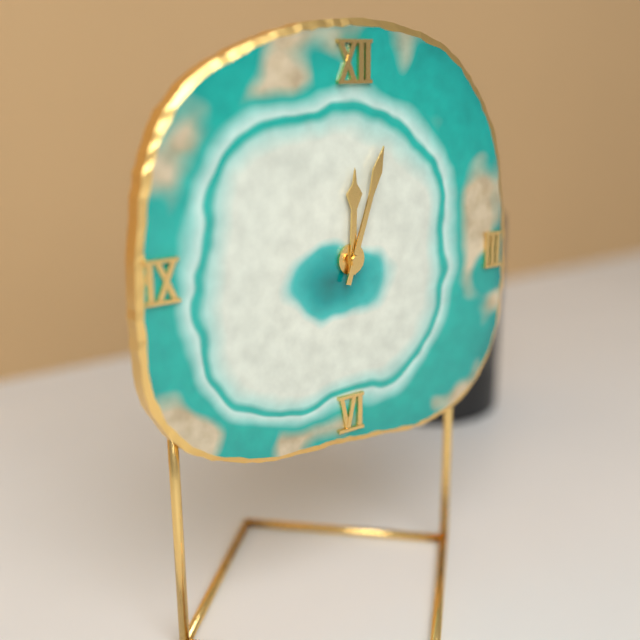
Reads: 12 h 03 min
